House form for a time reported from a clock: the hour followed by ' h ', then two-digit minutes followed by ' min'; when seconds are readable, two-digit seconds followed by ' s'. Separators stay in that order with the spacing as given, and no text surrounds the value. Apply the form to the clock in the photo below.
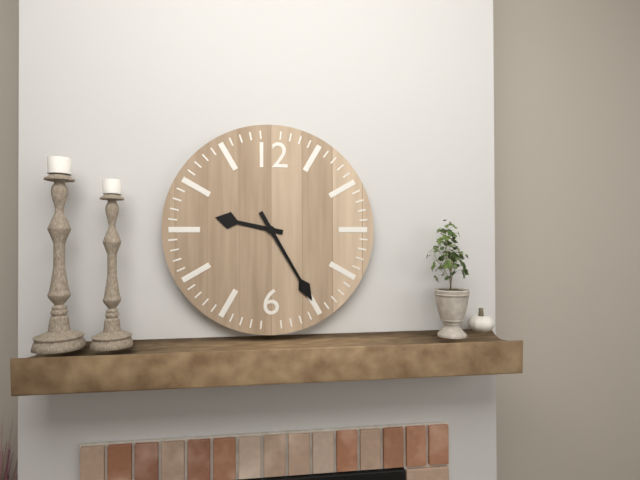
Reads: 9 h 25 min
